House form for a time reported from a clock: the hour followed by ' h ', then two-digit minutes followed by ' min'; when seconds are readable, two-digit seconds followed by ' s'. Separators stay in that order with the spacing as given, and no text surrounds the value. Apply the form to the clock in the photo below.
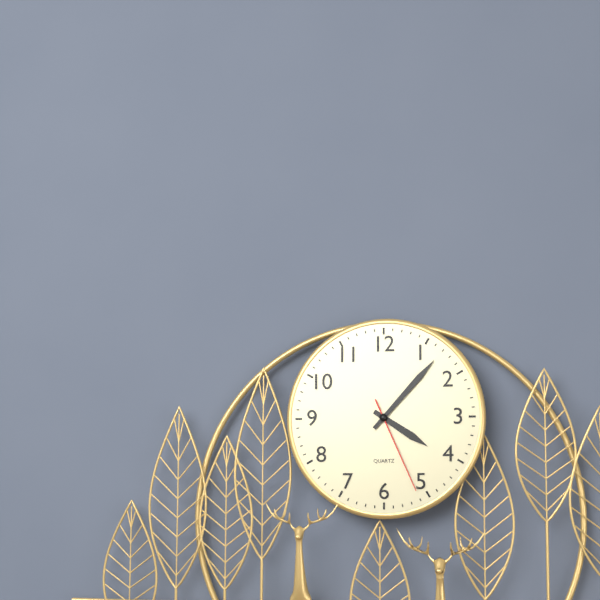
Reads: 4 h 07 min 26 s
